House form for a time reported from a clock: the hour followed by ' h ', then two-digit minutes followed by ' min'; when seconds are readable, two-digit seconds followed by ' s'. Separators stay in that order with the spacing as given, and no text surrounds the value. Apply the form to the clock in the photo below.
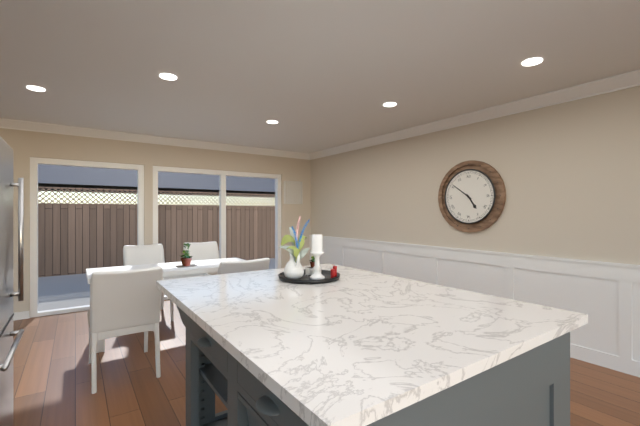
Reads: 4 h 51 min
